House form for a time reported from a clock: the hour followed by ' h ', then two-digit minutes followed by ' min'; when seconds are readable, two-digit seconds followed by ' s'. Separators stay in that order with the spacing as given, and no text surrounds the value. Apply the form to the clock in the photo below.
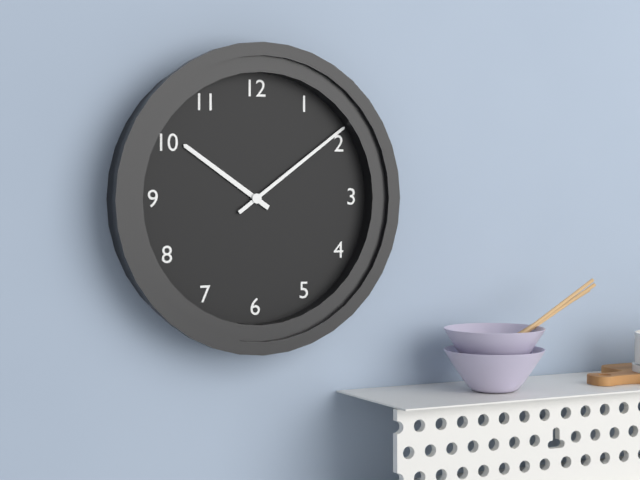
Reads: 10 h 09 min
